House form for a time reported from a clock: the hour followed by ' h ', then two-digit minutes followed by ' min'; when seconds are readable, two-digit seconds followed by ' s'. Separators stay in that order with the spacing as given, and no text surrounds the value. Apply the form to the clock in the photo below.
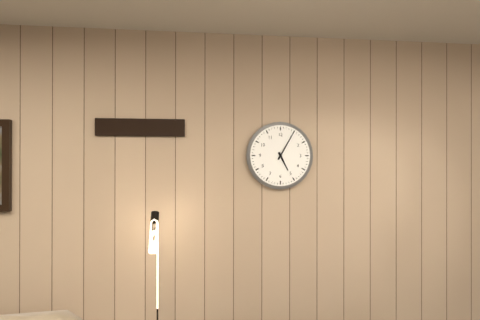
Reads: 5 h 05 min
